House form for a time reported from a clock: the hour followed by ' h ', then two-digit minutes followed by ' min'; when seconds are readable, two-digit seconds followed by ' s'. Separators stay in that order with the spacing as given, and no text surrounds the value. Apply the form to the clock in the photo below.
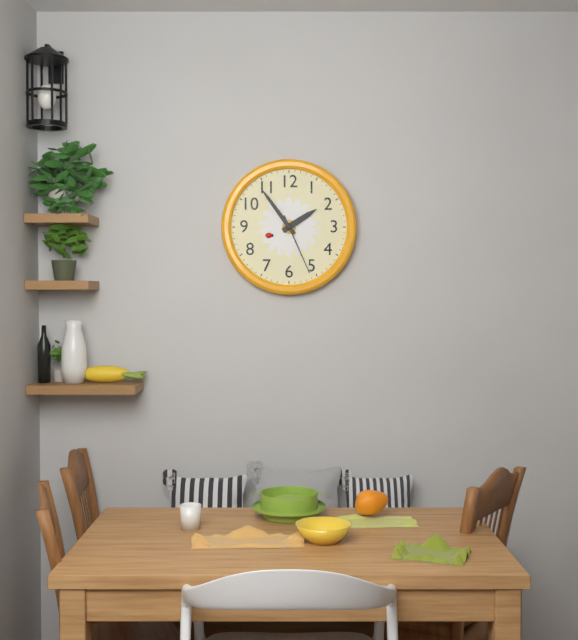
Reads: 1 h 54 min 26 s
